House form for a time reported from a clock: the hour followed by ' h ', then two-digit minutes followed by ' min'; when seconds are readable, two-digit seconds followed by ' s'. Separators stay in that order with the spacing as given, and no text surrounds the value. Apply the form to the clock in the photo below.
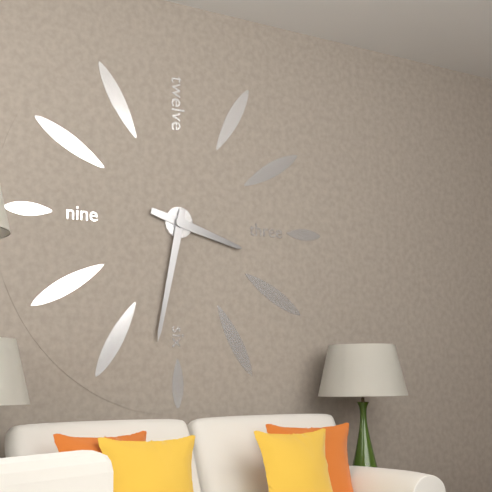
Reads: 3 h 32 min
